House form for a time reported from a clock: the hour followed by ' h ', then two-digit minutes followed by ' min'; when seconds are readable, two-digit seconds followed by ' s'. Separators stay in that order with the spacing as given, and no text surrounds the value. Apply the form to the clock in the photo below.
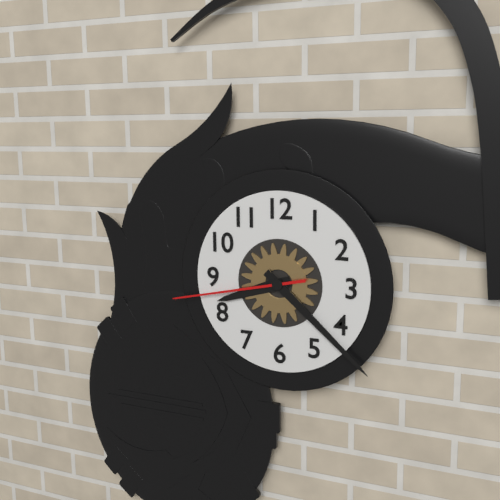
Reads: 8 h 22 min 43 s
